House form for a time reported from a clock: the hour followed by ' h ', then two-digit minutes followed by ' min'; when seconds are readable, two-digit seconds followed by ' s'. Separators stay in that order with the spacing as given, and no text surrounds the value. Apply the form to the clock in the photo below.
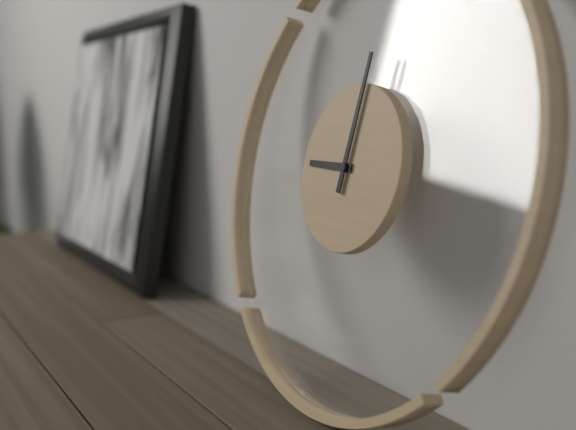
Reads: 9 h 01 min
